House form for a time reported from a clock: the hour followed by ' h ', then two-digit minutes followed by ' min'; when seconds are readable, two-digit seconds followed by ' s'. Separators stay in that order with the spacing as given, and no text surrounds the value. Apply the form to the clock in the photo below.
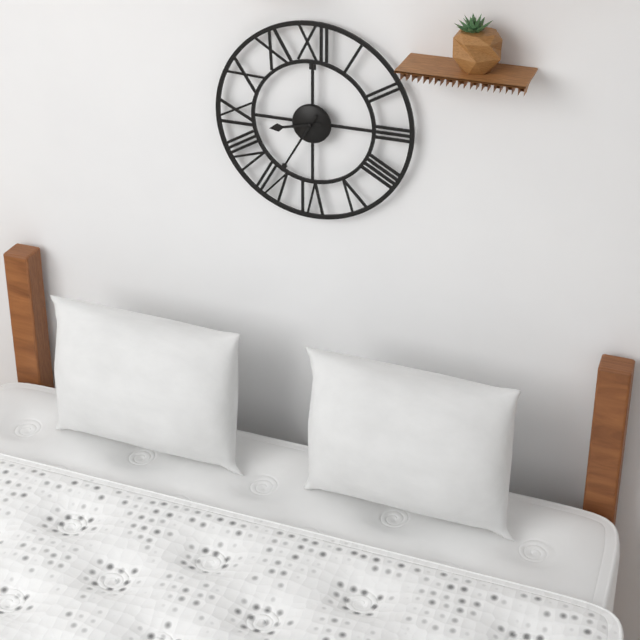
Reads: 8 h 35 min
